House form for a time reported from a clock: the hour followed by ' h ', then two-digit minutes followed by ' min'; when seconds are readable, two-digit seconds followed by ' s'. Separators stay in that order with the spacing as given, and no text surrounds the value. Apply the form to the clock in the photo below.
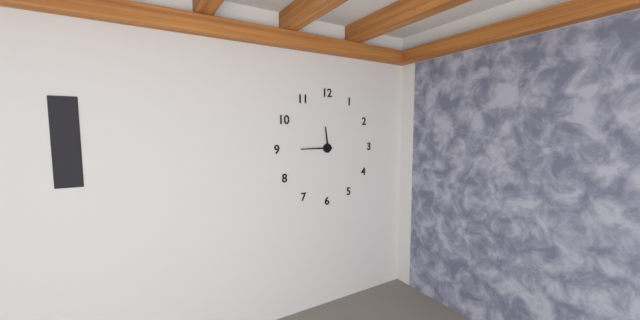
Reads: 11 h 45 min
